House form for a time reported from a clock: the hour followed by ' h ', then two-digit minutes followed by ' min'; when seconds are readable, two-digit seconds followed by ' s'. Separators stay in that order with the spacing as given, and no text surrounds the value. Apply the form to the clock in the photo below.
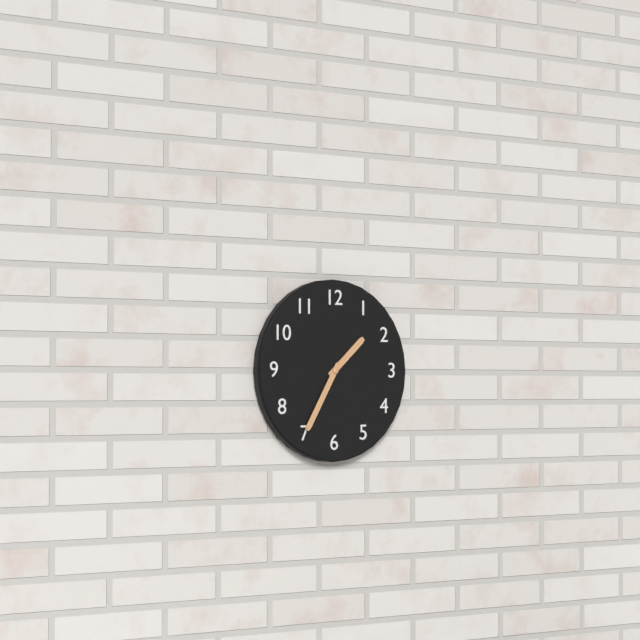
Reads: 1 h 35 min
